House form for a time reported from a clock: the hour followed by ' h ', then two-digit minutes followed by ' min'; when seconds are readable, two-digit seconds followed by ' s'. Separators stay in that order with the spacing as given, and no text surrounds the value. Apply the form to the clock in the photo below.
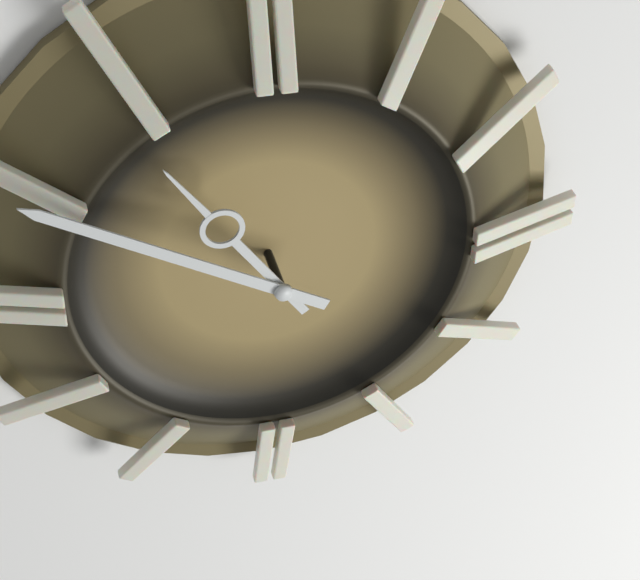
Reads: 10 h 50 min
